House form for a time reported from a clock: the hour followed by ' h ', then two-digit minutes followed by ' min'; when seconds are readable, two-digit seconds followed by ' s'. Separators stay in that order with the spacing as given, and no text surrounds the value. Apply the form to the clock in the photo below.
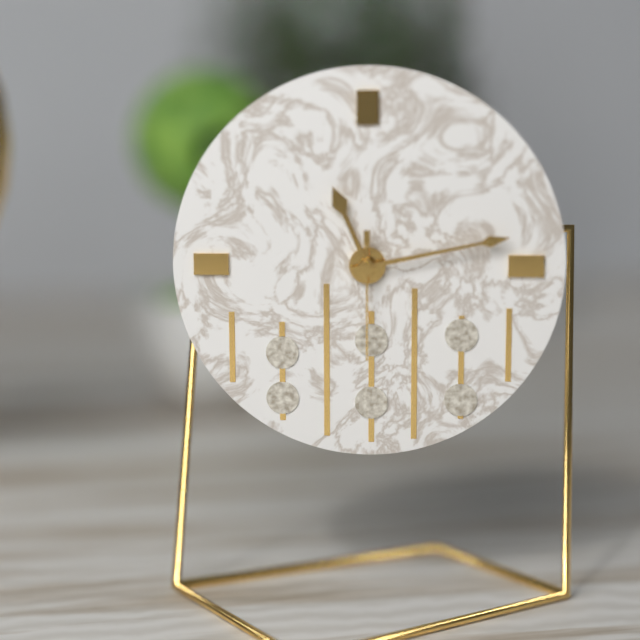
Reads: 11 h 13 min 30 s
